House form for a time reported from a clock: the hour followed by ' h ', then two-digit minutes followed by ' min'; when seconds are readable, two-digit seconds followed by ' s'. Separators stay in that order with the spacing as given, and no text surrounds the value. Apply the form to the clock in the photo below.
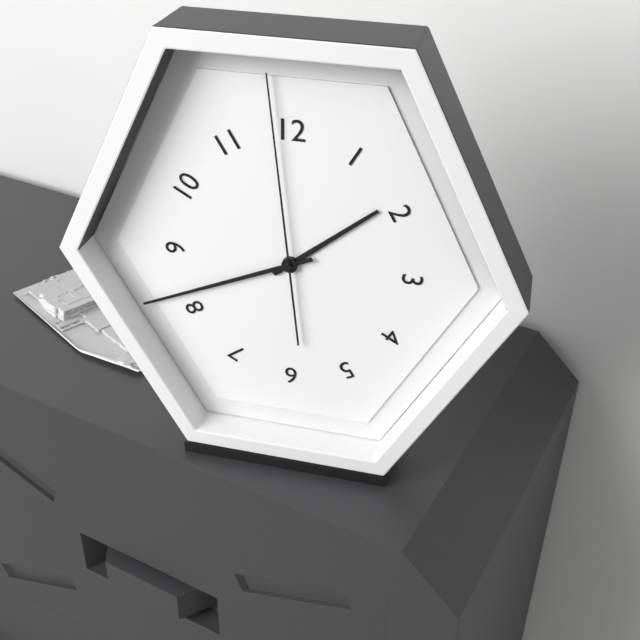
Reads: 1 h 41 min 59 s
